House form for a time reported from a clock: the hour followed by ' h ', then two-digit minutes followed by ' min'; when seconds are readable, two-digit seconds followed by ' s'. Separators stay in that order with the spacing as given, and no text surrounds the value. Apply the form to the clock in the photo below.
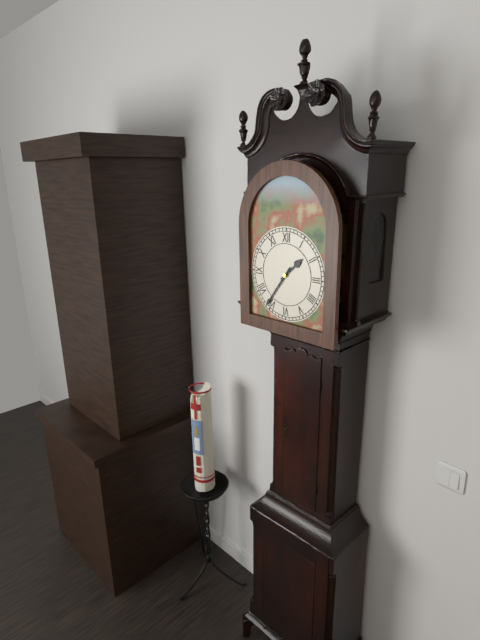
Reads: 1 h 36 min
